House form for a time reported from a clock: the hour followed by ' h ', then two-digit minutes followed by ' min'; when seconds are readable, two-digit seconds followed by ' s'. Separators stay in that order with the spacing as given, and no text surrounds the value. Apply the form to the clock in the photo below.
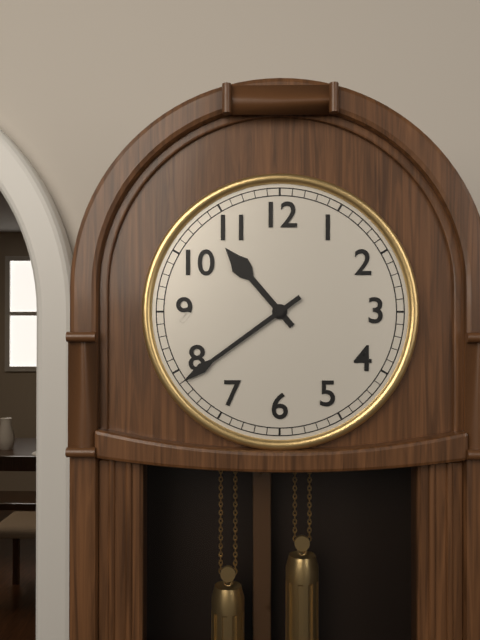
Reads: 10 h 39 min
